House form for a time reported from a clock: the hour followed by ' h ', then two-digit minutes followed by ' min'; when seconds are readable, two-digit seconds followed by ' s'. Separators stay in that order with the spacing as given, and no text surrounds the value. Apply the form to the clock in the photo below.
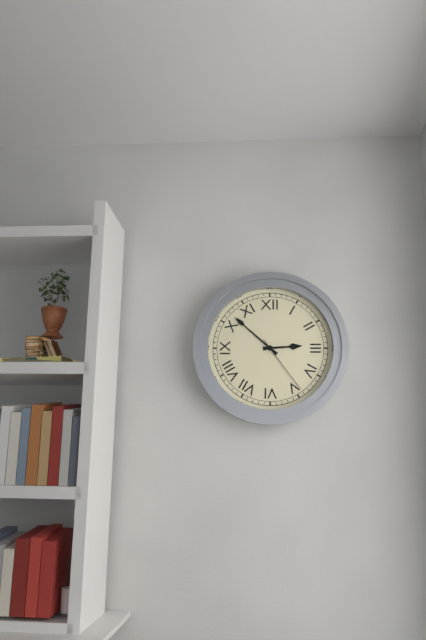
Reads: 2 h 52 min 24 s
